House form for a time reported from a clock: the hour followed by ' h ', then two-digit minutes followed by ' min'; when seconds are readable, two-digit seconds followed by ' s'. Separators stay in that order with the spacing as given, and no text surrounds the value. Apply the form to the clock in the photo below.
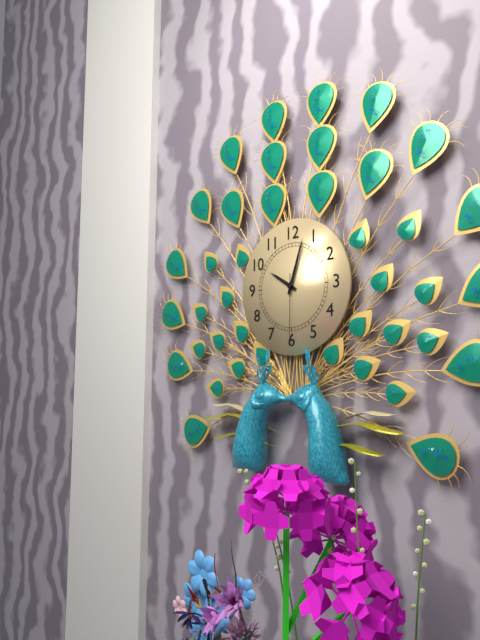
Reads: 10 h 03 min 30 s
